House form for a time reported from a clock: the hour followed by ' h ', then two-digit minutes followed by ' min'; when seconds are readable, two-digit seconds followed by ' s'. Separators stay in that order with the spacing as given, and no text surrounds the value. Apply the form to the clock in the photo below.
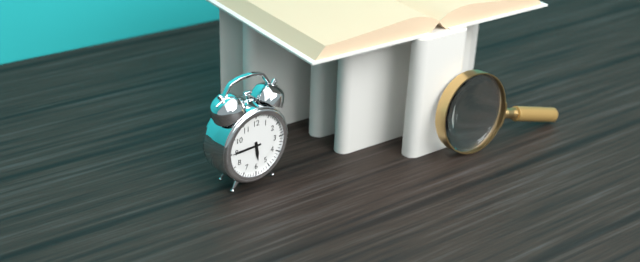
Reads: 5 h 45 min
